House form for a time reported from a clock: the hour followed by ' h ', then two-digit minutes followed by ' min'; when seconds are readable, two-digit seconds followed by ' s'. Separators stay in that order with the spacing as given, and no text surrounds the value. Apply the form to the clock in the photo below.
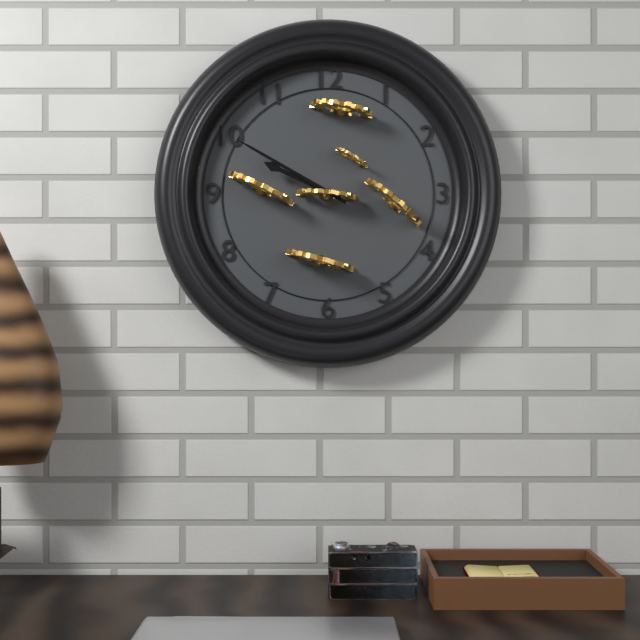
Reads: 9 h 50 min
